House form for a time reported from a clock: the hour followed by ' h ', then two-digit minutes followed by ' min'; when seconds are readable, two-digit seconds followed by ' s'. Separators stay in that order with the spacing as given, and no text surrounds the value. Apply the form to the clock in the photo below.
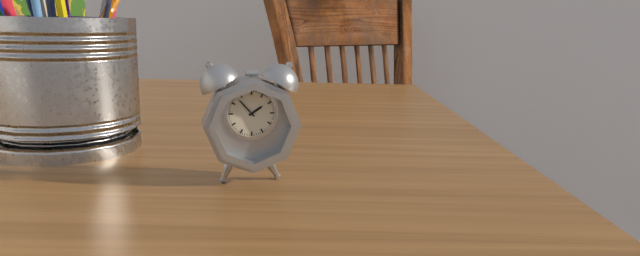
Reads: 1 h 53 min
